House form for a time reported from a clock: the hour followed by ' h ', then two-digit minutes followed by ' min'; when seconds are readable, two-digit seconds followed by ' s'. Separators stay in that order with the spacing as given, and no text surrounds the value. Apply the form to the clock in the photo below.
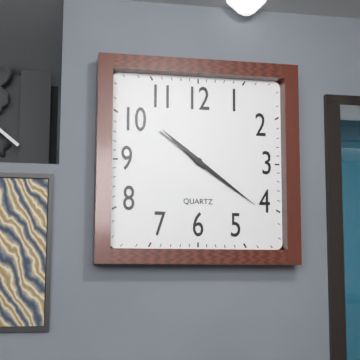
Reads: 10 h 21 min 51 s
